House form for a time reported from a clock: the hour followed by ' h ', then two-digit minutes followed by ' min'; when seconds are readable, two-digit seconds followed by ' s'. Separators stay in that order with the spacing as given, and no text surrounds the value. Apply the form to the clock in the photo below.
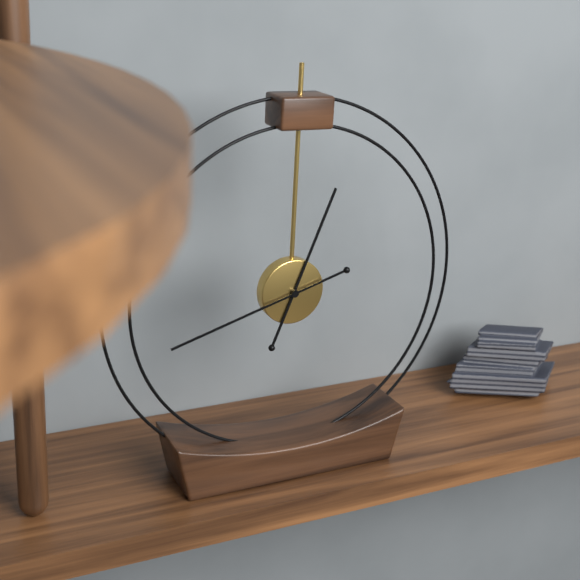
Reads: 12 h 42 min
